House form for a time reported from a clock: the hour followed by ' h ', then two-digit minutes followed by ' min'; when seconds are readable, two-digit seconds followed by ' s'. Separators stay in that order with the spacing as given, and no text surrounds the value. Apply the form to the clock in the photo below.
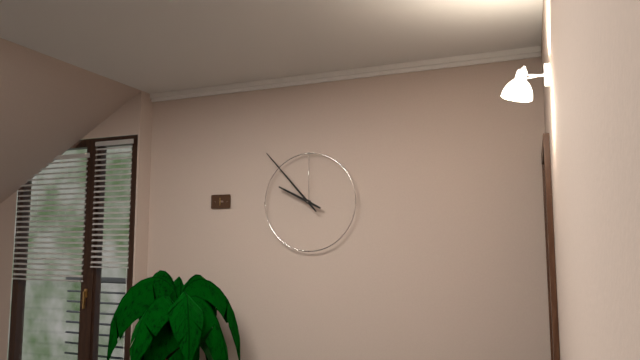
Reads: 9 h 53 min
